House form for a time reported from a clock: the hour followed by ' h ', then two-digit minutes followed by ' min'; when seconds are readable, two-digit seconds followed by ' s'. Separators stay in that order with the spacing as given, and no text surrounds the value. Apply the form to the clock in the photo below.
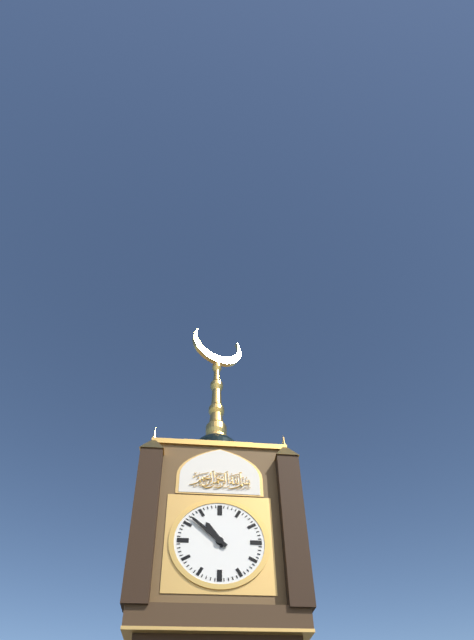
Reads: 10 h 52 min
